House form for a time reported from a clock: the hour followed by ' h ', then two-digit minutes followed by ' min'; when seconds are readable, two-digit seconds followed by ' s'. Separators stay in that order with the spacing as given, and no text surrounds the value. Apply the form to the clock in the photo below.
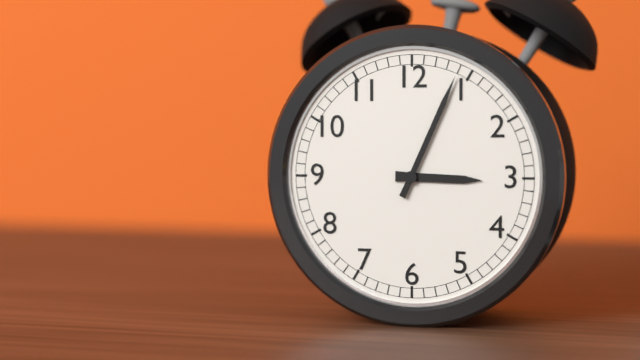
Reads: 3 h 04 min
